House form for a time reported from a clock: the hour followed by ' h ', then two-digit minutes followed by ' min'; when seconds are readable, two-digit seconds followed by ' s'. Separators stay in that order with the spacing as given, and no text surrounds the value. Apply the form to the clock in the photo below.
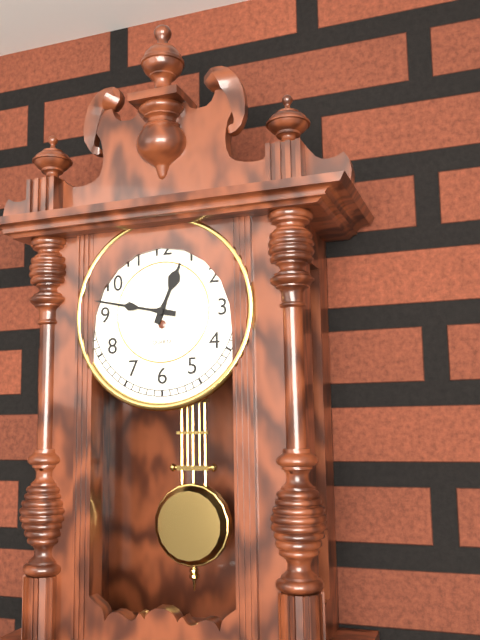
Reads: 12 h 47 min
